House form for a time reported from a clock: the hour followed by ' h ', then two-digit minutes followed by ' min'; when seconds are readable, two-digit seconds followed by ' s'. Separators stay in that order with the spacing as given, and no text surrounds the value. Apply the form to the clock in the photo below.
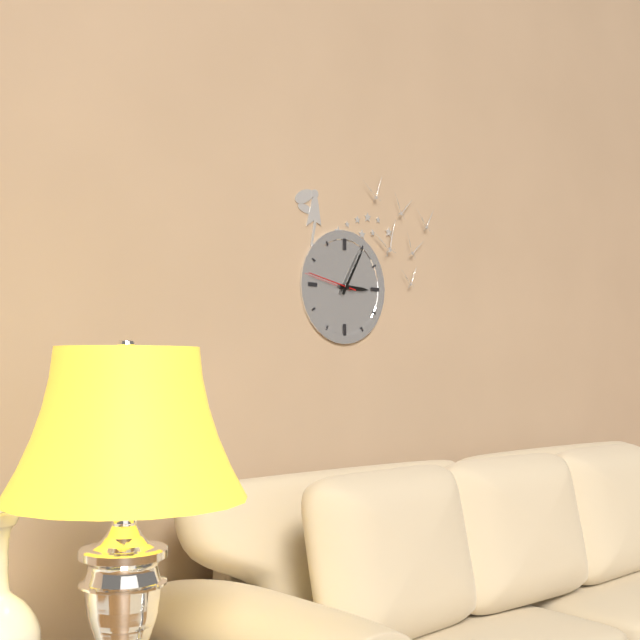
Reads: 3 h 05 min
